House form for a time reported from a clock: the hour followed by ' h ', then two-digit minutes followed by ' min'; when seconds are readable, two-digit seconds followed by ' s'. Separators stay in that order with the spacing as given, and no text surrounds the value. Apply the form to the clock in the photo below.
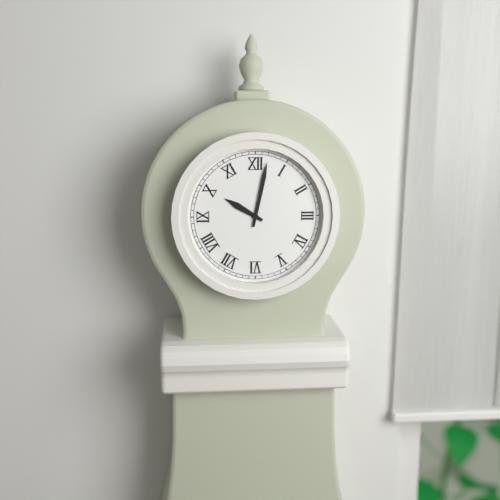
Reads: 10 h 02 min
